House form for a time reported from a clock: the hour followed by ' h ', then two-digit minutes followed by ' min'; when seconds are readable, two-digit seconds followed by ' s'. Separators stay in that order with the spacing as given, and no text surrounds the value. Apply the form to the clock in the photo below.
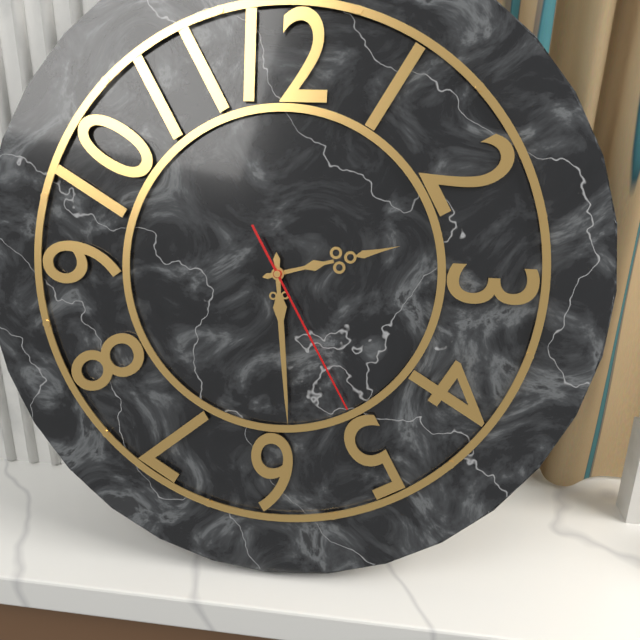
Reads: 2 h 29 min 25 s
